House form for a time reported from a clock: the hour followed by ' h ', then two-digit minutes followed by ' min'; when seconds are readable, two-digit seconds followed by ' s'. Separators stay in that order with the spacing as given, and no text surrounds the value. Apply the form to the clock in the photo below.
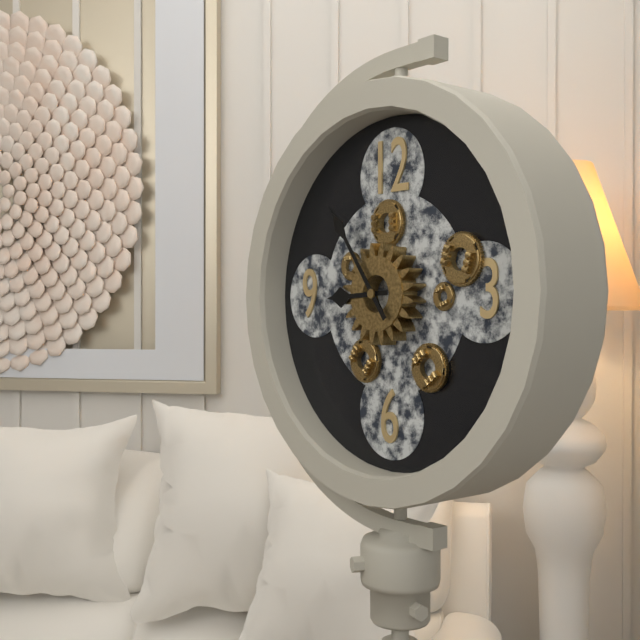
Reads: 8 h 54 min
